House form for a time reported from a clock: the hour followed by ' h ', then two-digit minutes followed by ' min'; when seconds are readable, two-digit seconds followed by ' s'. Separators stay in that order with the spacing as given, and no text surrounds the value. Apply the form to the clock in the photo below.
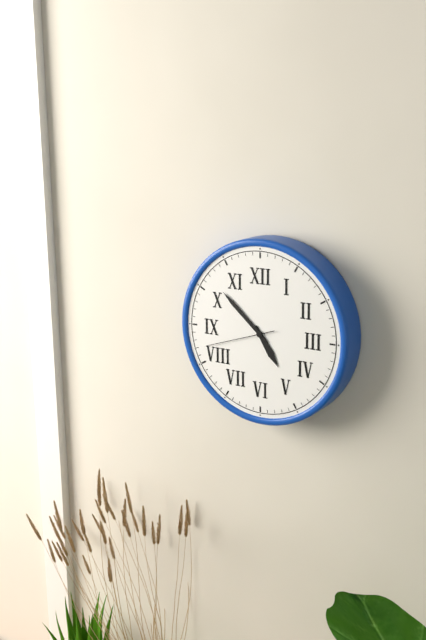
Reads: 4 h 52 min 42 s
